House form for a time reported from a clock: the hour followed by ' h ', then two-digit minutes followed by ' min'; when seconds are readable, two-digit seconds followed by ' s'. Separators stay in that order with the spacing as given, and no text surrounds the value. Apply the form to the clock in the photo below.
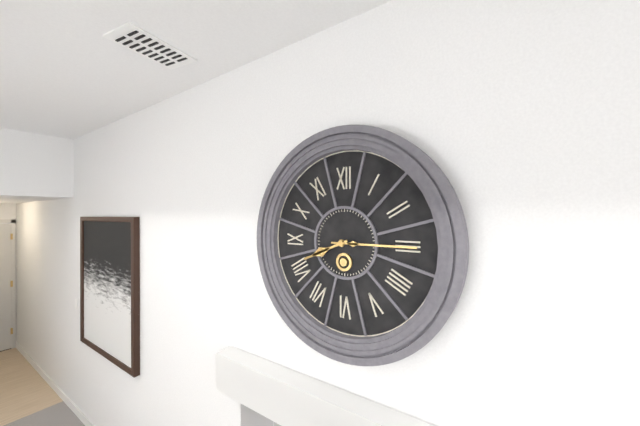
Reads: 8 h 15 min
